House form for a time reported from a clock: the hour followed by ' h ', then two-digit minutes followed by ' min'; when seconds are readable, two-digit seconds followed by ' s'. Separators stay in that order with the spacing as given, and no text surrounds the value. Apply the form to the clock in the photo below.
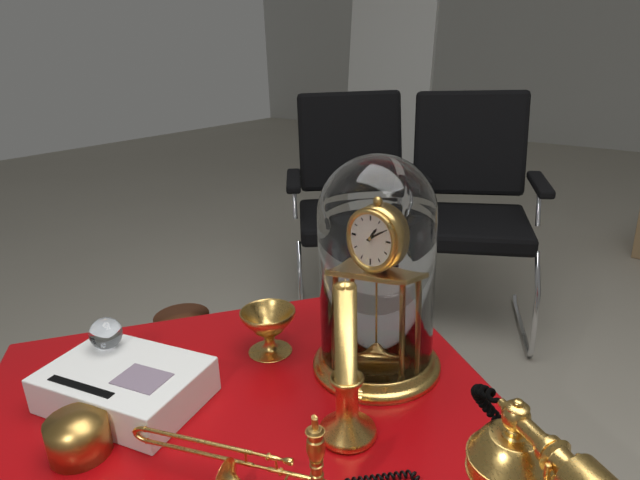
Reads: 1 h 10 min
